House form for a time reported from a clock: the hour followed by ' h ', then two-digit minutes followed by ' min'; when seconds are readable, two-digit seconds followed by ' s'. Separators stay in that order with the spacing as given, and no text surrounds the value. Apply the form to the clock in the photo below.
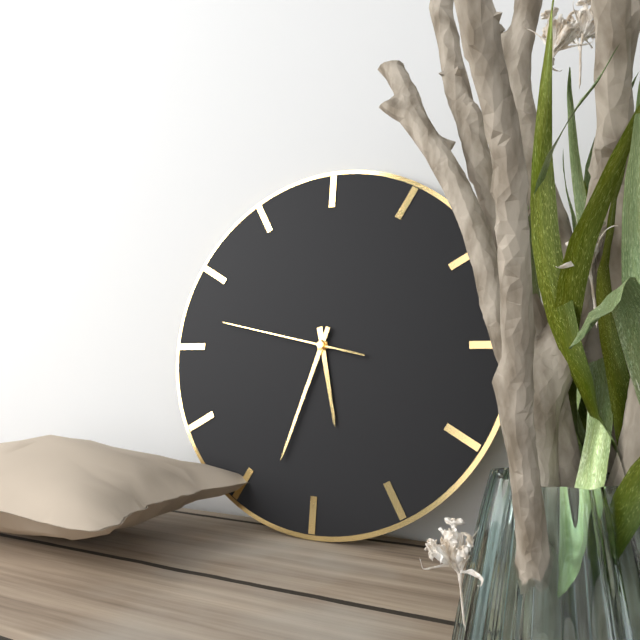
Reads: 5 h 33 min 47 s
